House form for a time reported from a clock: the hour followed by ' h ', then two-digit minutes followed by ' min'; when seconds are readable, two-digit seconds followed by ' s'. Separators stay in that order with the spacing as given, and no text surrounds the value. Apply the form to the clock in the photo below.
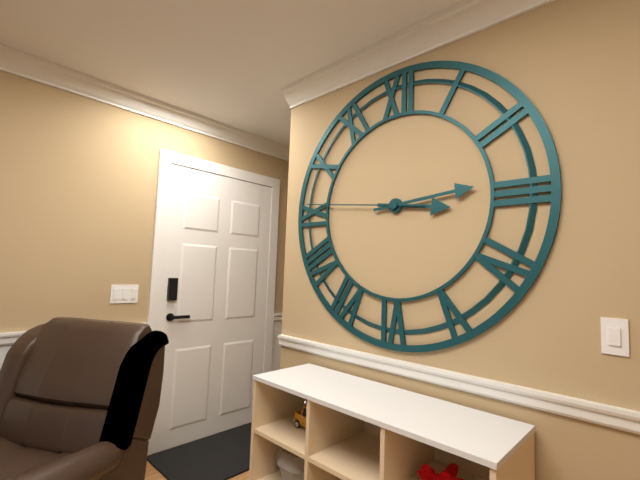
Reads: 3 h 14 min 46 s
